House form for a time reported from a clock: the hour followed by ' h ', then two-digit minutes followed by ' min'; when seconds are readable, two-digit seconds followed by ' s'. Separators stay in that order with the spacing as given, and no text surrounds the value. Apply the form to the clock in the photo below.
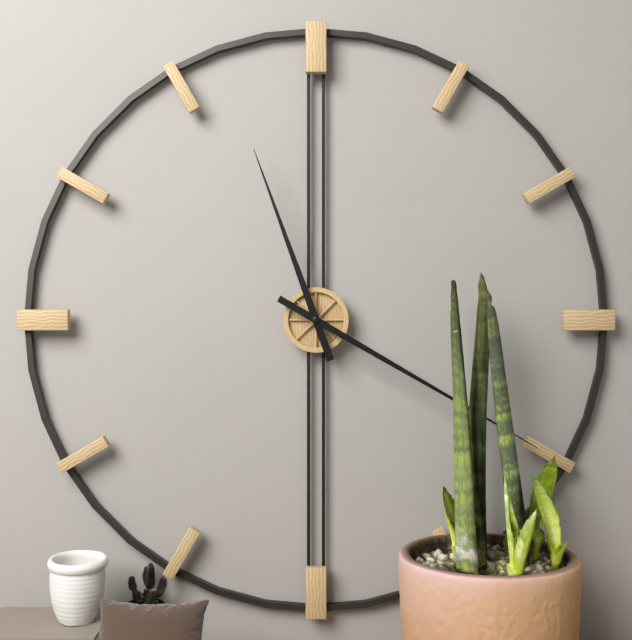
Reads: 11 h 20 min
